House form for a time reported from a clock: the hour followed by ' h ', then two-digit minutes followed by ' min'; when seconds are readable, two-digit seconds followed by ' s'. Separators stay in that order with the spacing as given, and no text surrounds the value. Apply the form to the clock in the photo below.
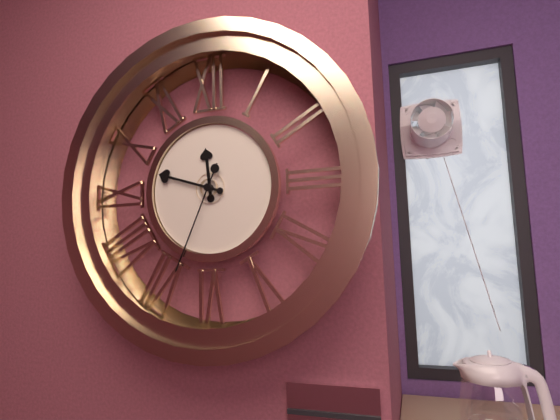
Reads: 11 h 48 min 34 s
